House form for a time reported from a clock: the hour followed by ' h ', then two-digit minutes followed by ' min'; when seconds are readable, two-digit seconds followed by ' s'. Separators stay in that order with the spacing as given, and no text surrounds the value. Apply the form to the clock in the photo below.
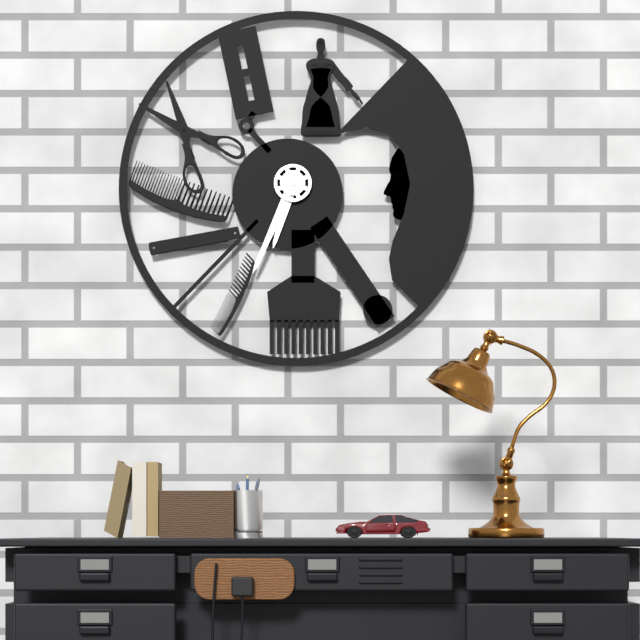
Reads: 6 h 34 min
